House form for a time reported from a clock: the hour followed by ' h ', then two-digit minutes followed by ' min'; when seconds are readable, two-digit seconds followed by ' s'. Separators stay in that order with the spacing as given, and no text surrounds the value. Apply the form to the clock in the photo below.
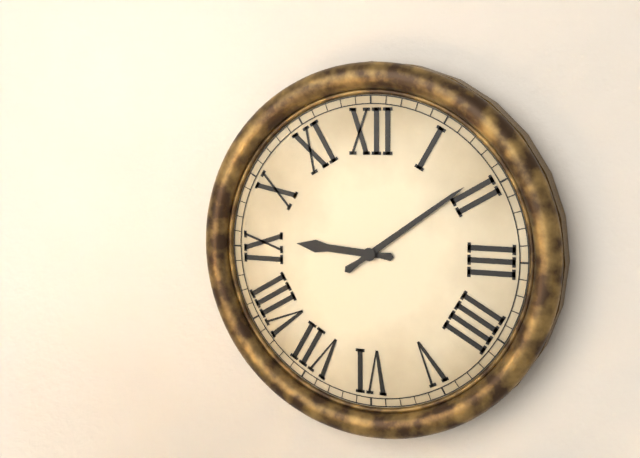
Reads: 9 h 09 min
